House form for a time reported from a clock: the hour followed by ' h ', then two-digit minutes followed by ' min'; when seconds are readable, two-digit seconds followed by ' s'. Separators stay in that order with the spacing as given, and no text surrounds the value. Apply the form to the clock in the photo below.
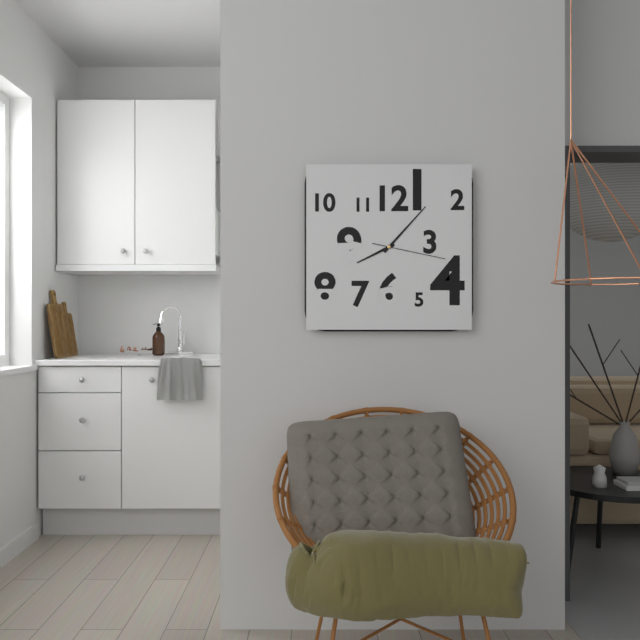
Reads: 8 h 07 min 17 s
